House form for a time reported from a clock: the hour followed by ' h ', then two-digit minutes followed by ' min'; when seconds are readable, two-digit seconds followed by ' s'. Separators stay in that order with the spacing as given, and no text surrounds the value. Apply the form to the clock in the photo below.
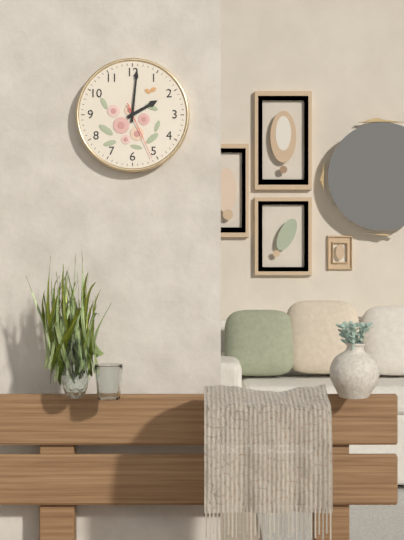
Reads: 2 h 01 min 26 s
